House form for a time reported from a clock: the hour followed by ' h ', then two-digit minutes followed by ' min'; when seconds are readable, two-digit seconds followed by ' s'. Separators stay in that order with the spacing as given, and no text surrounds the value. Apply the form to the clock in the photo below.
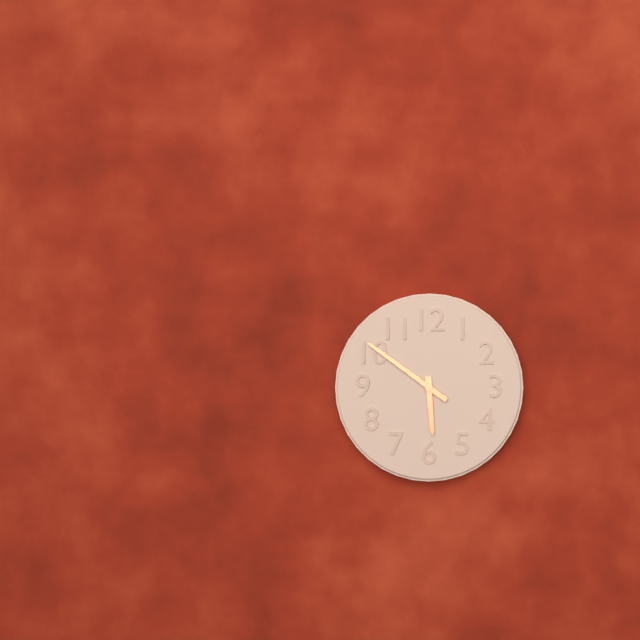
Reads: 5 h 51 min
